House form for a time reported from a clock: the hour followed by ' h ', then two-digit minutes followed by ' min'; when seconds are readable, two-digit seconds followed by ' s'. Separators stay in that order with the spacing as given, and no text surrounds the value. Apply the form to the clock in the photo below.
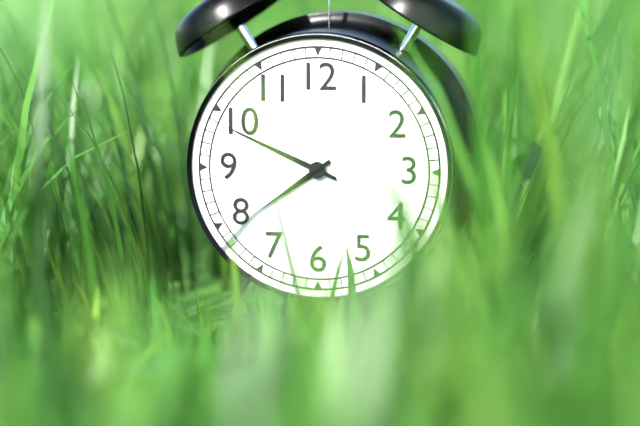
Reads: 7 h 49 min
